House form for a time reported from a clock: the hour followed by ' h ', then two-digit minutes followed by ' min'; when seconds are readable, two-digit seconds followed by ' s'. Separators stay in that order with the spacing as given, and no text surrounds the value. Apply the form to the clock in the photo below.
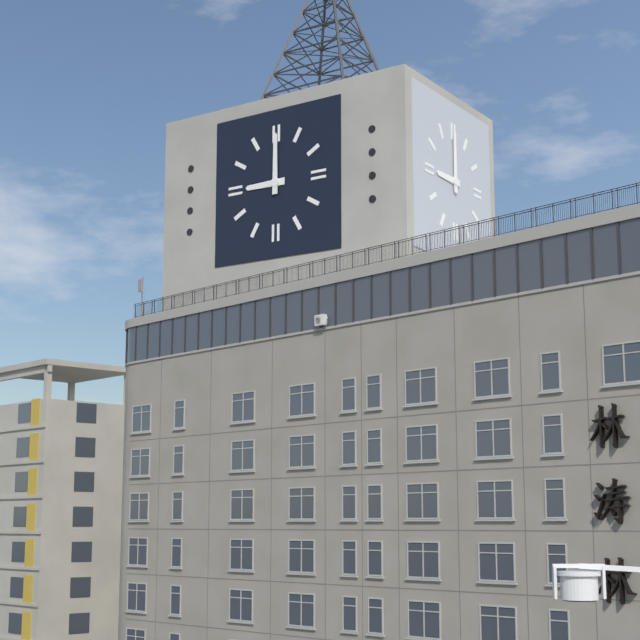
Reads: 9 h 00 min
